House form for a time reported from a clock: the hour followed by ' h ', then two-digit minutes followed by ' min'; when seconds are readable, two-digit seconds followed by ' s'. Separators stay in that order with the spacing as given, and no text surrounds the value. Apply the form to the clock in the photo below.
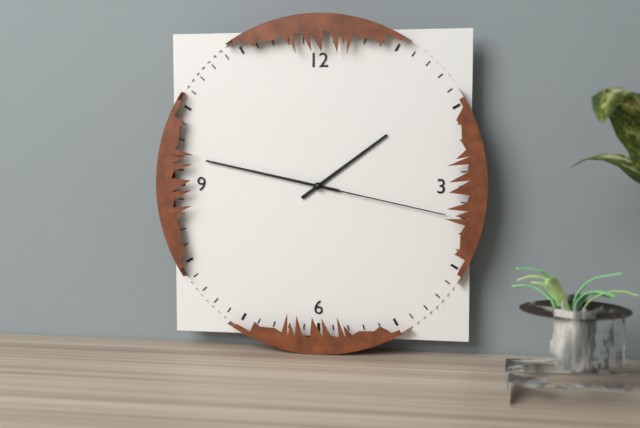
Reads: 1 h 47 min 17 s
